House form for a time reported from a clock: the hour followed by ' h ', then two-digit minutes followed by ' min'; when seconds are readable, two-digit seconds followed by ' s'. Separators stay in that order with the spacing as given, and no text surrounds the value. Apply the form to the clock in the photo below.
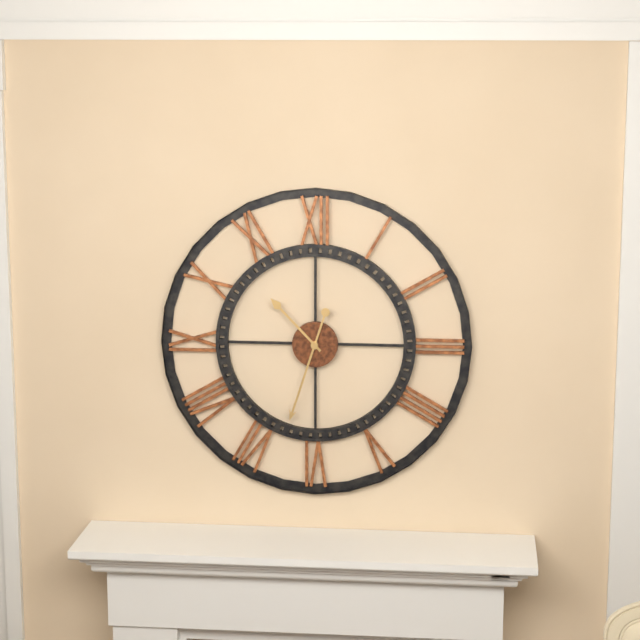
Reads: 10 h 33 min
